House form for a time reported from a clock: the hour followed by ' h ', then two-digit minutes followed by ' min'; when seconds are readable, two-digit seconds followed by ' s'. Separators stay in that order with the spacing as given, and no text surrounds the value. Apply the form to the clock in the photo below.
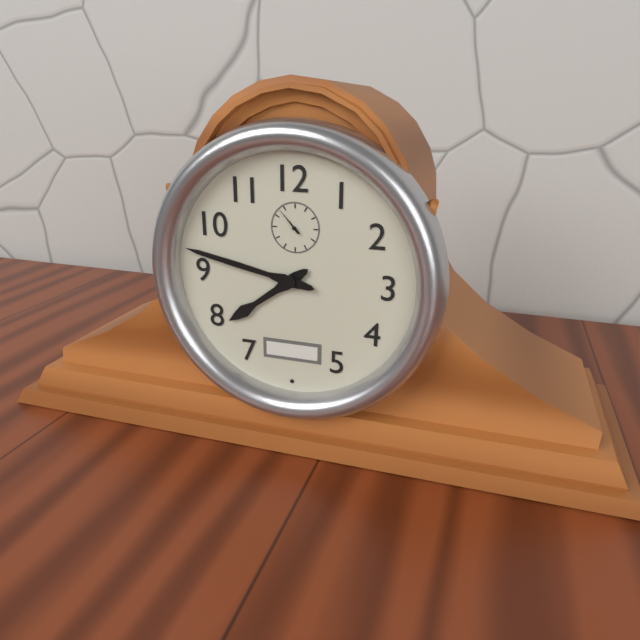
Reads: 7 h 47 min
